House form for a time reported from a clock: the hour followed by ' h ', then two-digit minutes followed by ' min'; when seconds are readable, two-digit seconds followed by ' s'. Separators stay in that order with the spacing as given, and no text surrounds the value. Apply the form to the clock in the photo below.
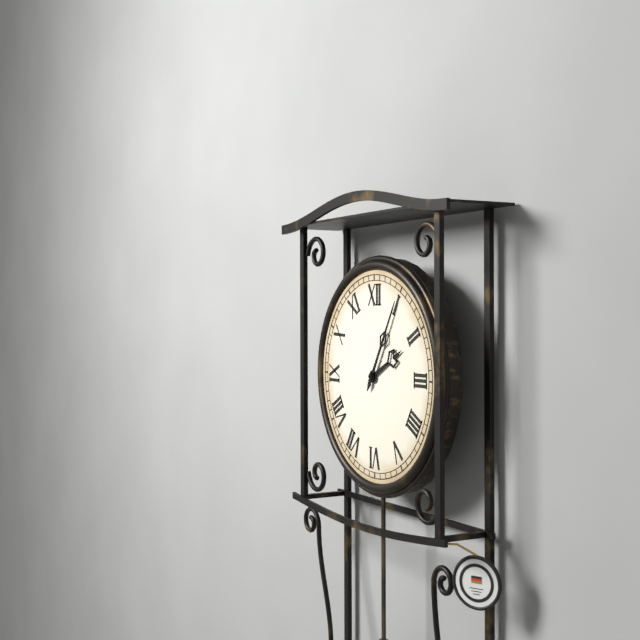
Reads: 2 h 05 min
